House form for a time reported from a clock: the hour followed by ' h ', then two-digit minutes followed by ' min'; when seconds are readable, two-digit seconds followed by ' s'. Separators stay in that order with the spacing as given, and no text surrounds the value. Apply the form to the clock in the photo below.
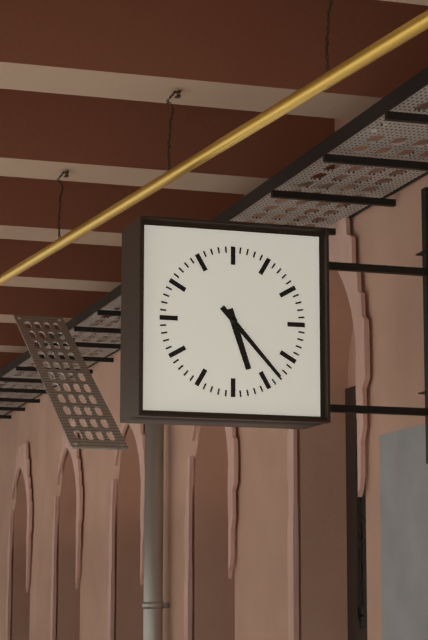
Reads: 5 h 23 min
